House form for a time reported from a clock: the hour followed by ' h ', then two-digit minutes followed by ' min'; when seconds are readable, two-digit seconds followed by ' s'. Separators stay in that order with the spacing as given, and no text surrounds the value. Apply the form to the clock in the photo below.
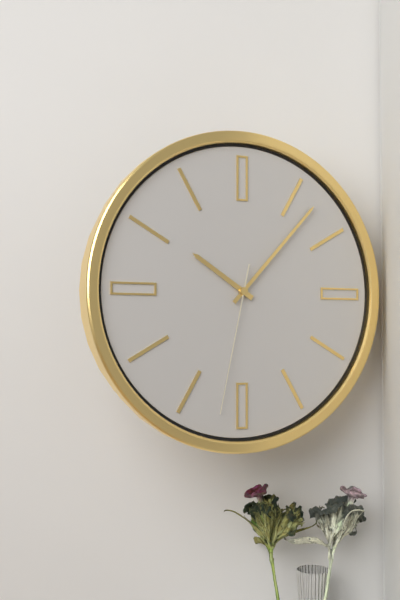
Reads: 10 h 07 min 32 s
